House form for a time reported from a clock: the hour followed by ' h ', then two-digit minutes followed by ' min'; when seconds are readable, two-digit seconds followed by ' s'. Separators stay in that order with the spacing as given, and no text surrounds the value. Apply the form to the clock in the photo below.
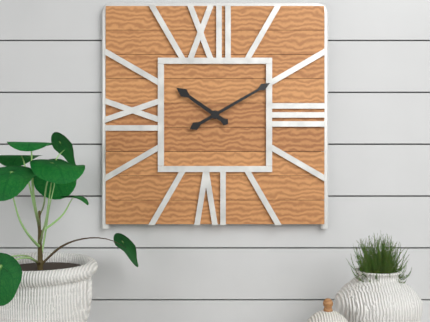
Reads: 10 h 10 min
